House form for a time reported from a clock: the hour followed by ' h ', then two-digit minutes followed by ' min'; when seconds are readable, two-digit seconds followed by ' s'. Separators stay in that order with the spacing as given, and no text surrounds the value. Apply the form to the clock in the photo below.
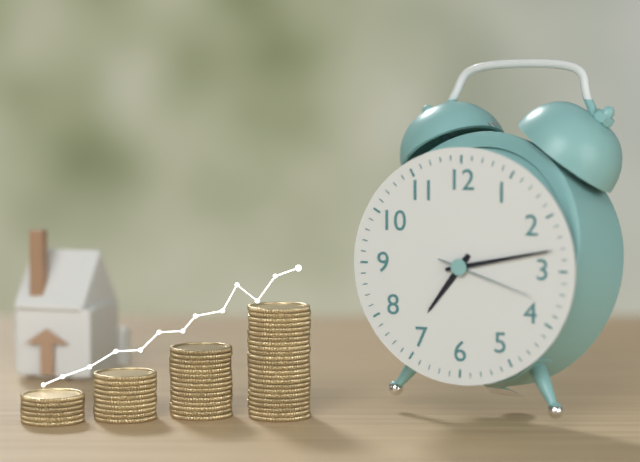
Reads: 7 h 13 min 18 s
